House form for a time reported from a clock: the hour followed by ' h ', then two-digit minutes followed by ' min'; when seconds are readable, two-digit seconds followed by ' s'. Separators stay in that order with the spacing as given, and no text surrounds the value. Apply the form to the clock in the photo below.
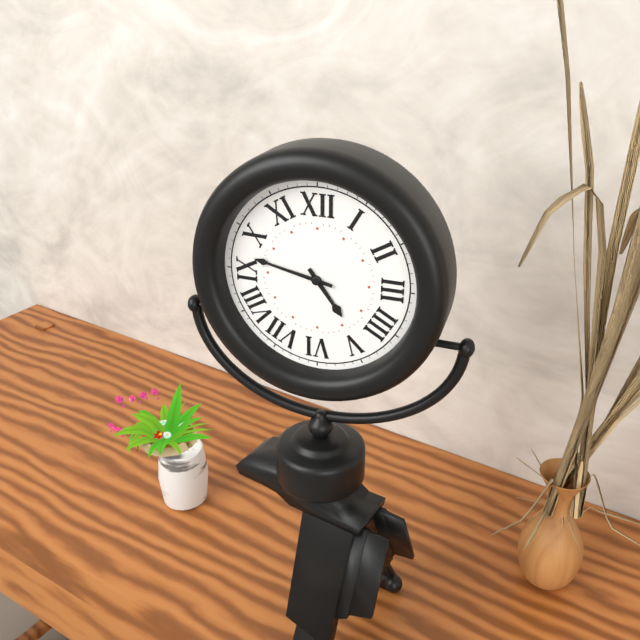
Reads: 4 h 47 min
